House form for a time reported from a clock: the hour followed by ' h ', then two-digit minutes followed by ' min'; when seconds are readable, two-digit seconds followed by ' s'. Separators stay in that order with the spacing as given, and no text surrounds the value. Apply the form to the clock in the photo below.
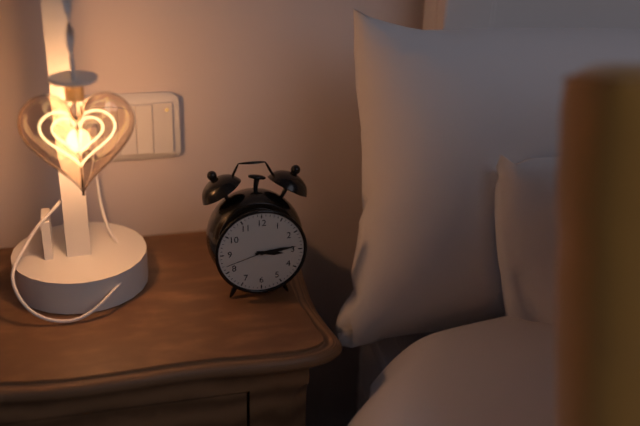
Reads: 3 h 14 min
